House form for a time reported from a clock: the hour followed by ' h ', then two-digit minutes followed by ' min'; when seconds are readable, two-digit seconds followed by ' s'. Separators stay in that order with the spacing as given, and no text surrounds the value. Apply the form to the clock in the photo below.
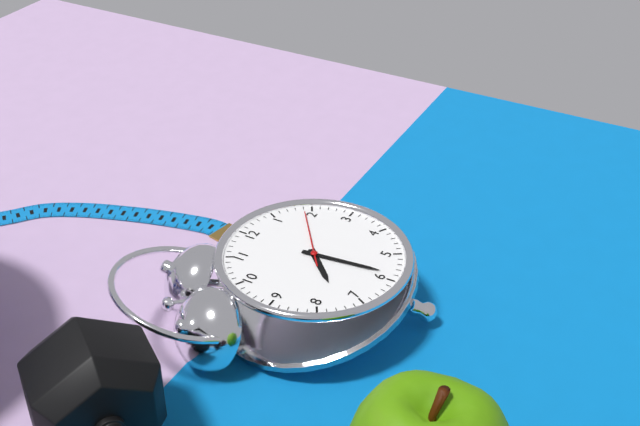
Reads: 7 h 29 min 09 s
